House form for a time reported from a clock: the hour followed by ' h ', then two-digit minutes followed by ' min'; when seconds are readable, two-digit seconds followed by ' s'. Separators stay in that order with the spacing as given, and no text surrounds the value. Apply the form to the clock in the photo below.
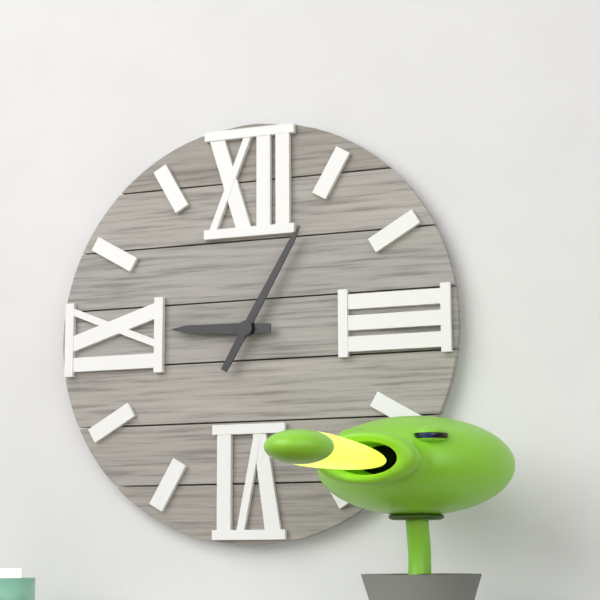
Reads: 9 h 05 min
